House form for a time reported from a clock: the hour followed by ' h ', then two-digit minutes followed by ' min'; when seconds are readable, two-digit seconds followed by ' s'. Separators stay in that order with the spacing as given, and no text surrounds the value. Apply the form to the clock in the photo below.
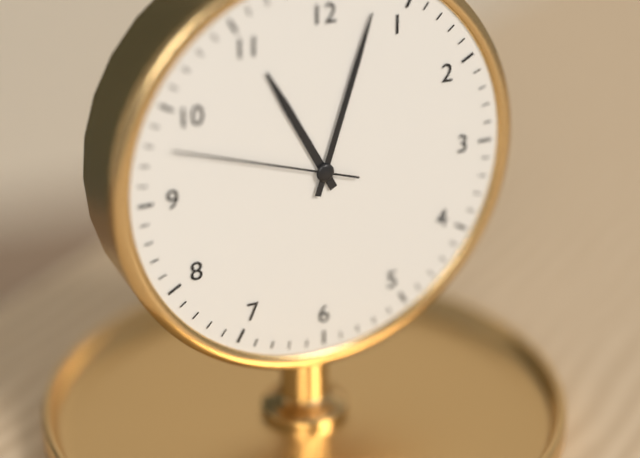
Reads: 11 h 03 min 48 s
